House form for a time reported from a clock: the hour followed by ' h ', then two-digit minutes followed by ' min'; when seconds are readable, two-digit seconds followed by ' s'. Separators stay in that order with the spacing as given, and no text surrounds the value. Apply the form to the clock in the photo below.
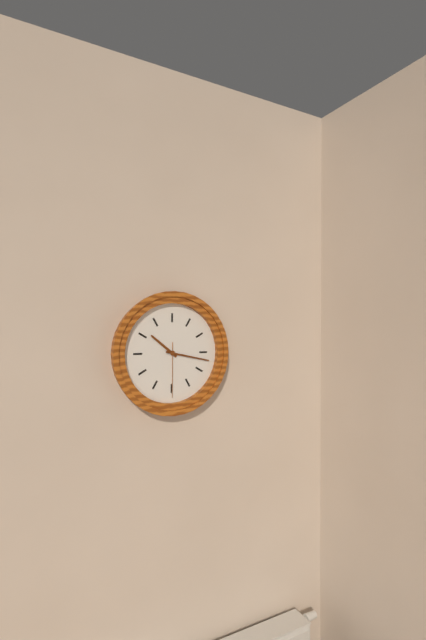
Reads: 10 h 17 min 30 s
